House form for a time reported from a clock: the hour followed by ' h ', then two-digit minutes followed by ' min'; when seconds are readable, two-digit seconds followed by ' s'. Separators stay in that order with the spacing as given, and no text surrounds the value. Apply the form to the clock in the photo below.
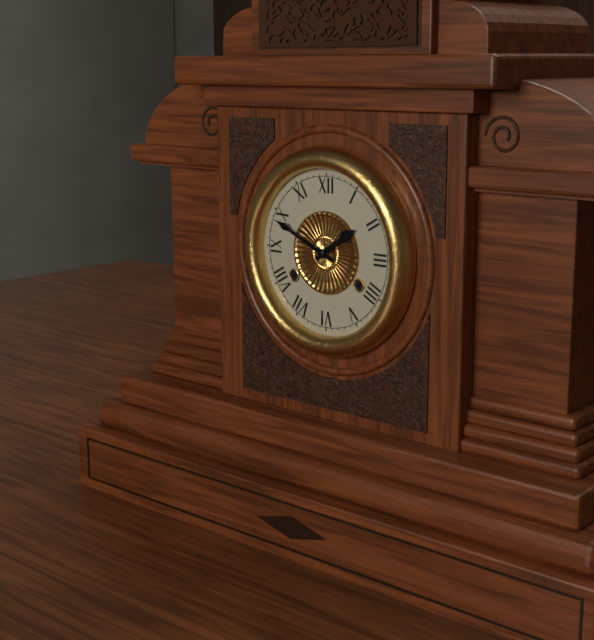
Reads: 1 h 49 min
